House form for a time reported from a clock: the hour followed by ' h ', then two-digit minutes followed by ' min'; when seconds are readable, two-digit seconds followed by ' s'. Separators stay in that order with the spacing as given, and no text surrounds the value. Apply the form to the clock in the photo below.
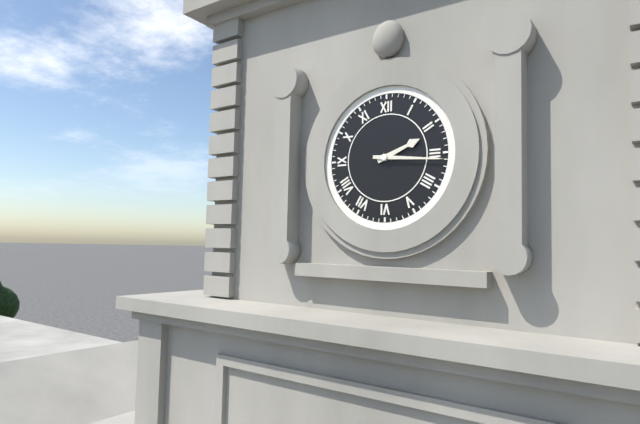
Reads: 2 h 16 min
